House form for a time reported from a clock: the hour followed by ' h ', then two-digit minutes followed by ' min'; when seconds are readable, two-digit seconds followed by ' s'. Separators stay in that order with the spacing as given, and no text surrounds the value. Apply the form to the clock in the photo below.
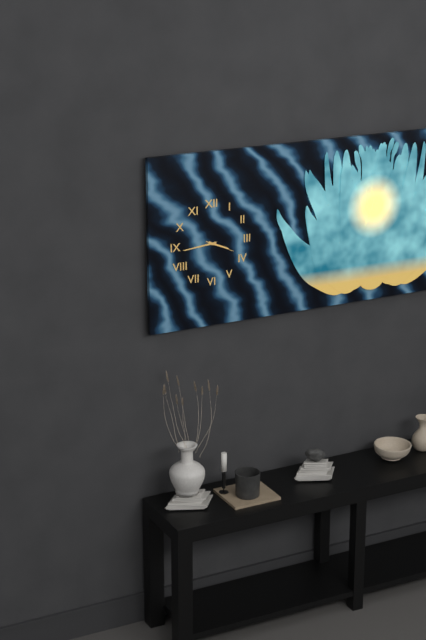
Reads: 3 h 44 min
